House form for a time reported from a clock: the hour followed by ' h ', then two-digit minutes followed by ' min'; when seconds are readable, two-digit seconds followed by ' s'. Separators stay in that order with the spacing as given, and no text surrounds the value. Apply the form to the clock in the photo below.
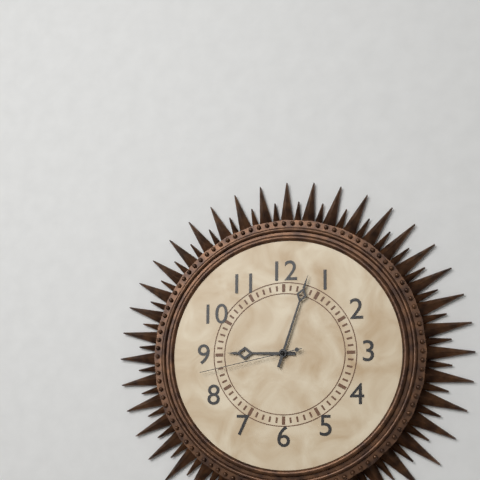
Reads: 9 h 03 min 43 s
